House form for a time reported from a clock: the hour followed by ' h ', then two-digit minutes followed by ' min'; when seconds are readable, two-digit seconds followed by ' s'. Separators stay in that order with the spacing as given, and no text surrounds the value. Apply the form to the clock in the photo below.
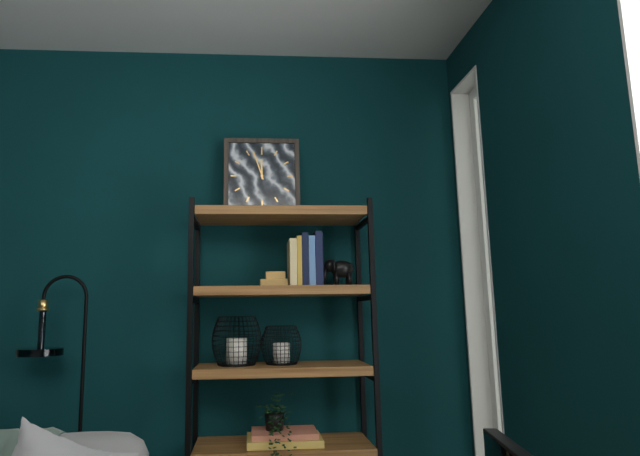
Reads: 11 h 57 min
